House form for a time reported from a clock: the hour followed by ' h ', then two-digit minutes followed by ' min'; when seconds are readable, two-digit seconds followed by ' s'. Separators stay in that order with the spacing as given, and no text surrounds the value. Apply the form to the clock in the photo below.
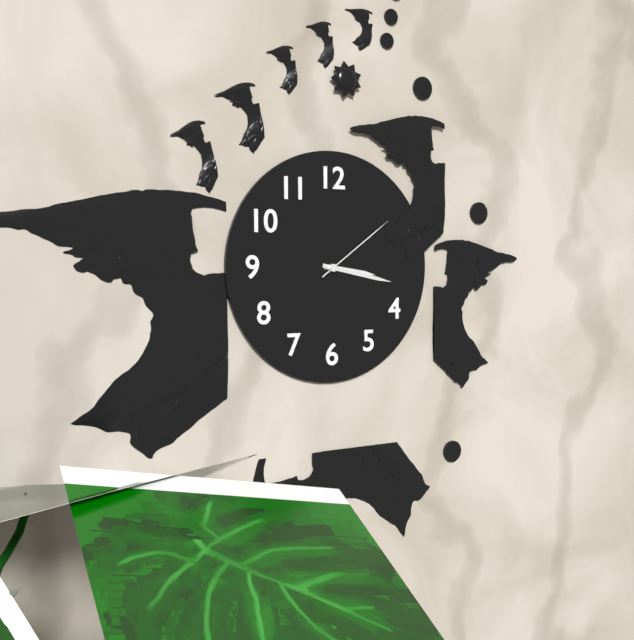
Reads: 3 h 17 min 09 s
